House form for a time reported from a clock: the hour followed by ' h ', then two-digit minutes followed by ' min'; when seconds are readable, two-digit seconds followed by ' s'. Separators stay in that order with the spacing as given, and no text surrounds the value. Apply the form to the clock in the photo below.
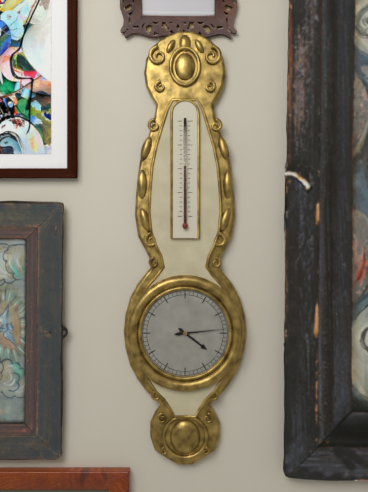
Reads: 4 h 14 min
